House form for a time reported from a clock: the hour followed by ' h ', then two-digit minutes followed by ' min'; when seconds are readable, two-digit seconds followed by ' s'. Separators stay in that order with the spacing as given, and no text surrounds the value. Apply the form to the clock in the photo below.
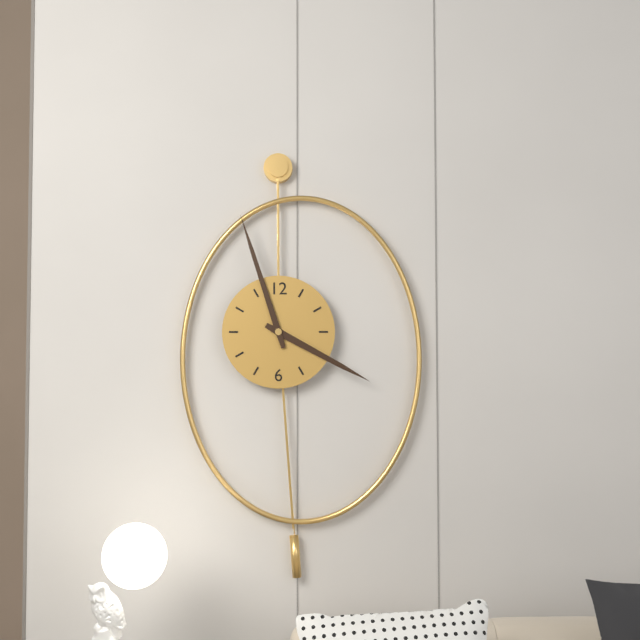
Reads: 3 h 57 min
